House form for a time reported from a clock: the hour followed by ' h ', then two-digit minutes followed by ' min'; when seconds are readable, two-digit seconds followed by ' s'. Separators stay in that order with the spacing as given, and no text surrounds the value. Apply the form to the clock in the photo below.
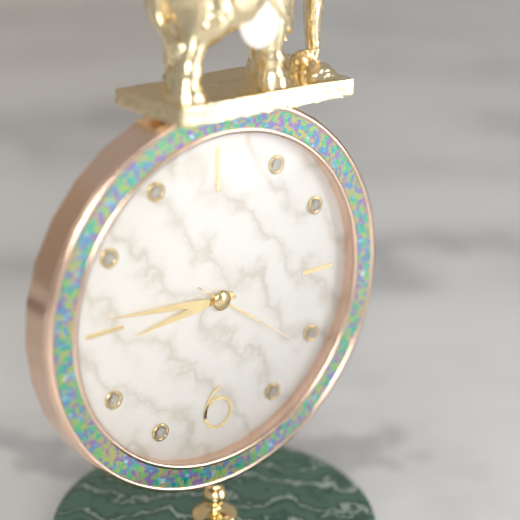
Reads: 8 h 46 min 21 s
